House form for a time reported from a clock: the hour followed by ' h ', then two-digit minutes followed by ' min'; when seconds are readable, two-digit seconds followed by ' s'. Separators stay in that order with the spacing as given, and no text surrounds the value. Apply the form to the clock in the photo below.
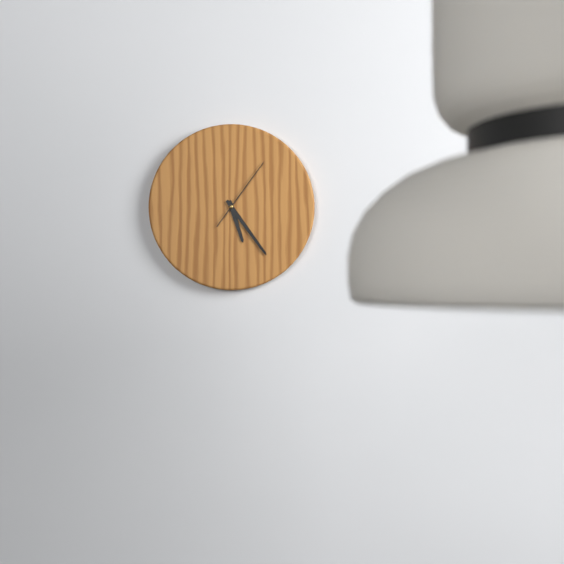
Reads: 5 h 24 min 06 s
